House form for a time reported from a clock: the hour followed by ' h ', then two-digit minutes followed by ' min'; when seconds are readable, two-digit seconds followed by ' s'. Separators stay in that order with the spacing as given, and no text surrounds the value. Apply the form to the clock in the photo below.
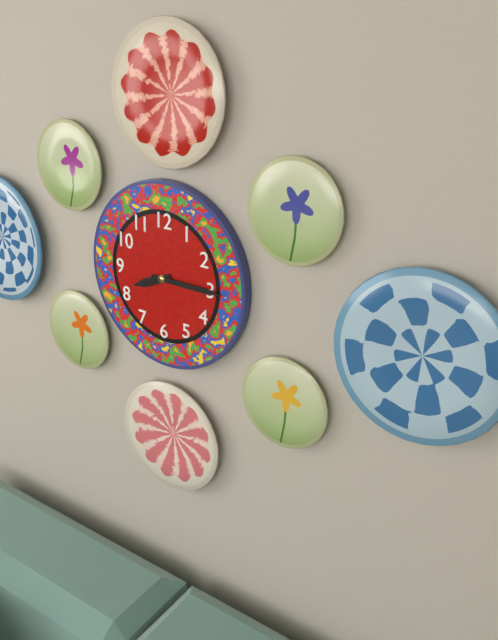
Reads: 8 h 15 min
